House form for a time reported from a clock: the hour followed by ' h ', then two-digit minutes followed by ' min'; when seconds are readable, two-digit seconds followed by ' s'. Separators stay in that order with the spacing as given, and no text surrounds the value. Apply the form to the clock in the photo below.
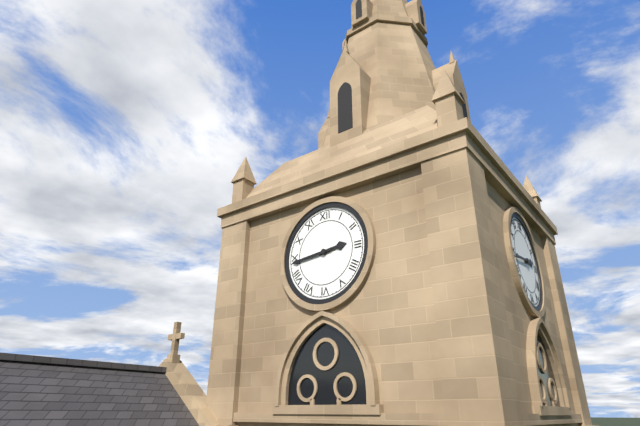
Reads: 2 h 44 min
